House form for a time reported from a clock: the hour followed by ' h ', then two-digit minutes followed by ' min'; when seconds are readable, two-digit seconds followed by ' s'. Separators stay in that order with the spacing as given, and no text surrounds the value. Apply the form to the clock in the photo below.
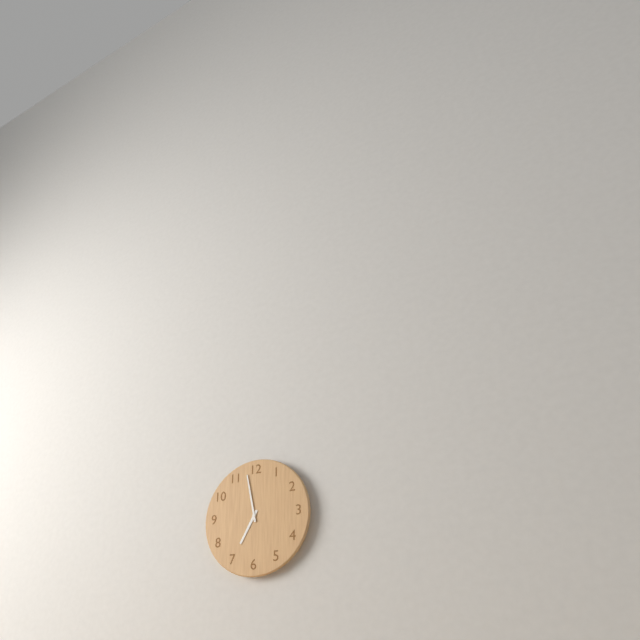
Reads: 6 h 58 min
